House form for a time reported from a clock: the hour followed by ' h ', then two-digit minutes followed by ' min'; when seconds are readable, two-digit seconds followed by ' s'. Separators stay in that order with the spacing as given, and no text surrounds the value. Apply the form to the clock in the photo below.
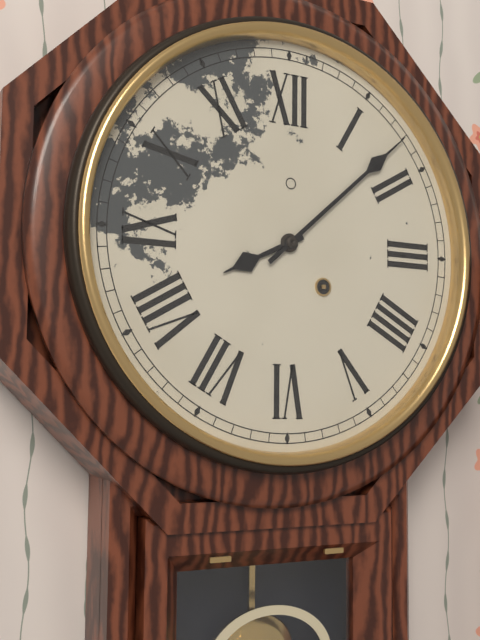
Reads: 8 h 08 min
